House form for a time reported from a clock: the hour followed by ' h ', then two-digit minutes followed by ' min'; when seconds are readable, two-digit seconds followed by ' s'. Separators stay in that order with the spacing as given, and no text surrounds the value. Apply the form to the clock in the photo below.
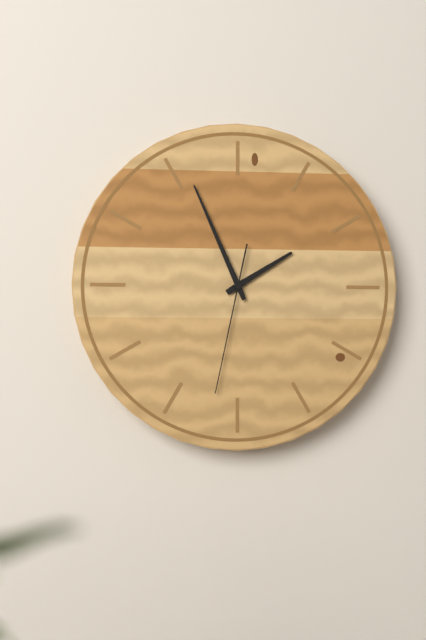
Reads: 1 h 56 min 32 s
